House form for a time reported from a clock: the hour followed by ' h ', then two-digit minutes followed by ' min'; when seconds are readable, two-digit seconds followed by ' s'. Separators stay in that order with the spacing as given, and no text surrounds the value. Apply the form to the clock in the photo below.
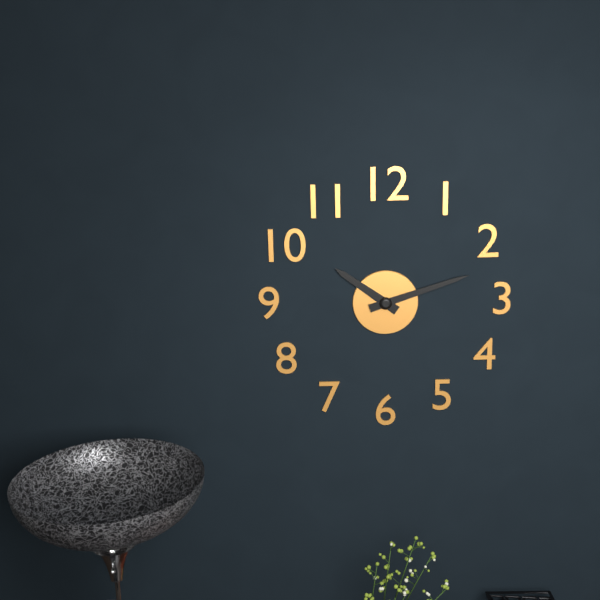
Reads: 10 h 12 min
